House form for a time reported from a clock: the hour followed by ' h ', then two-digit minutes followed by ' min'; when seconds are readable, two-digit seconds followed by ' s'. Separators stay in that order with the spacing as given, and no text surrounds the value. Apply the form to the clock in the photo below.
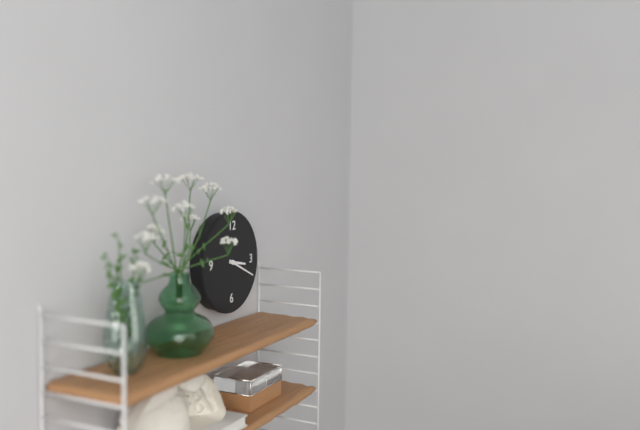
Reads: 3 h 19 min
